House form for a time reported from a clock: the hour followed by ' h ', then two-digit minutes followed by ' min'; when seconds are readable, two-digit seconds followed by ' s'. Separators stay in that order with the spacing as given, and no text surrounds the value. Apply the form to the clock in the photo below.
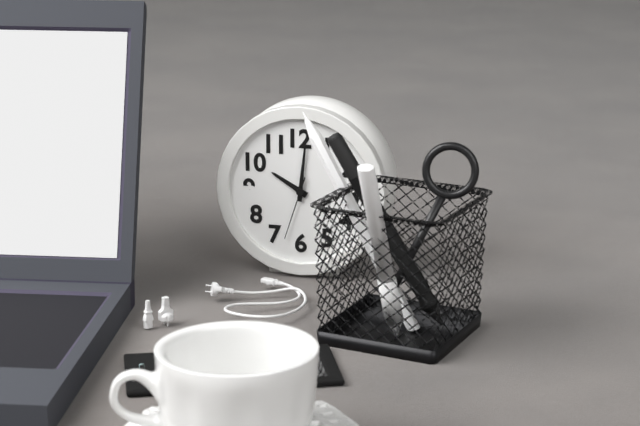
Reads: 10 h 01 min 33 s
